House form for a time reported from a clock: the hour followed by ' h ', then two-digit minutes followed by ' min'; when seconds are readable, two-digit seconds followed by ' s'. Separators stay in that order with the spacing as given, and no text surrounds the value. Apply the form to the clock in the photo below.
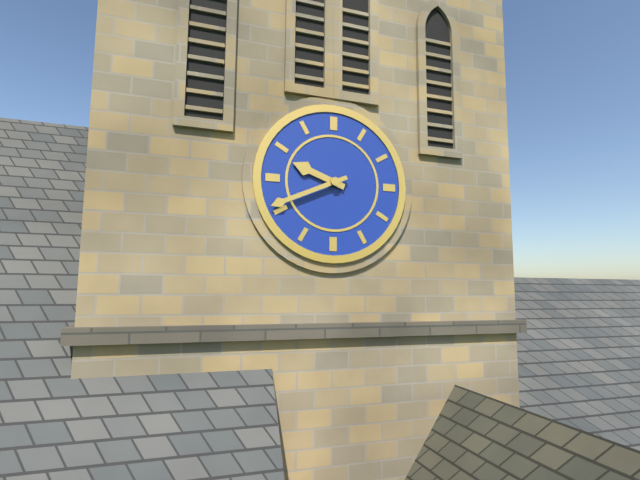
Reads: 9 h 41 min
